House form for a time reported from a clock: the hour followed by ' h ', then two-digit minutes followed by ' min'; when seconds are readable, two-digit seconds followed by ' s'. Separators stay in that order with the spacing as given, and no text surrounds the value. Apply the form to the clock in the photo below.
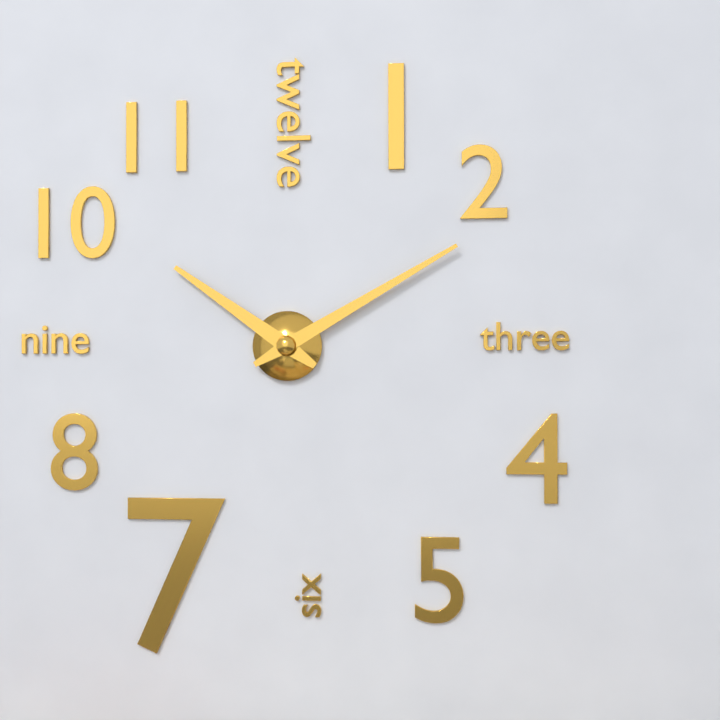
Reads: 10 h 10 min
